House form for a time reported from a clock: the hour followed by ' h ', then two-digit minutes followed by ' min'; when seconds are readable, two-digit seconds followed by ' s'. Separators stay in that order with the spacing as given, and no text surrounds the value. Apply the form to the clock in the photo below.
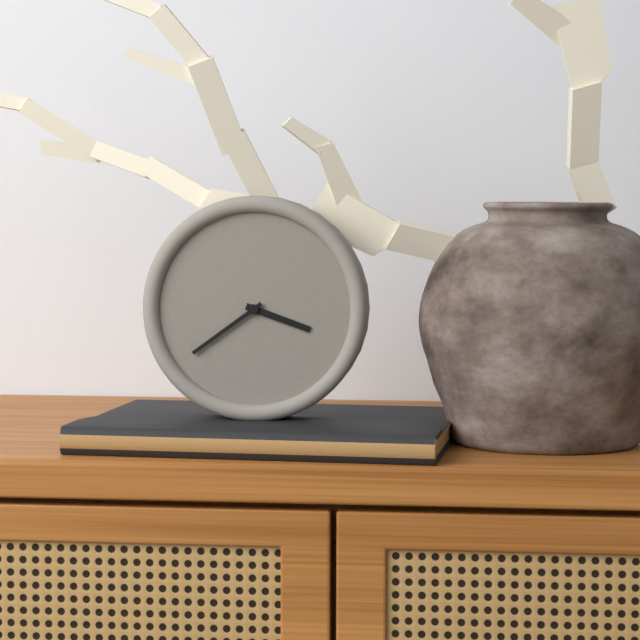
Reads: 3 h 39 min
